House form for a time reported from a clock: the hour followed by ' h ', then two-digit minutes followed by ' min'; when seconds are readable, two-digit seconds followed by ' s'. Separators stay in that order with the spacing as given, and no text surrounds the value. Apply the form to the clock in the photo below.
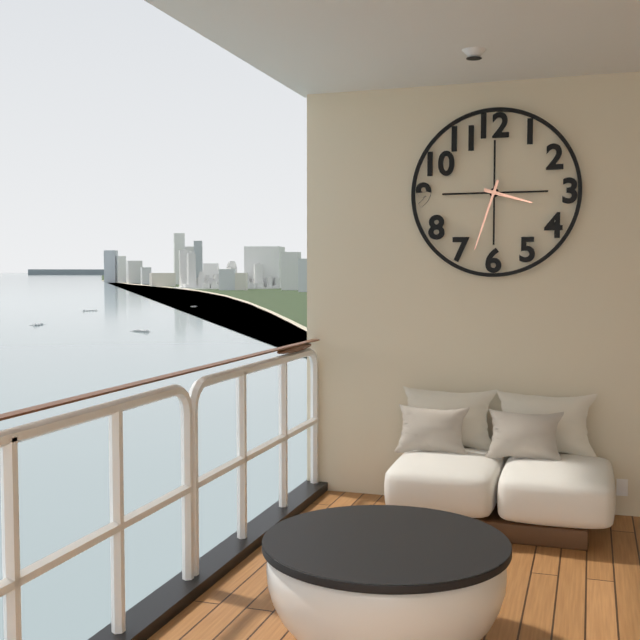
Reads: 3 h 33 min
